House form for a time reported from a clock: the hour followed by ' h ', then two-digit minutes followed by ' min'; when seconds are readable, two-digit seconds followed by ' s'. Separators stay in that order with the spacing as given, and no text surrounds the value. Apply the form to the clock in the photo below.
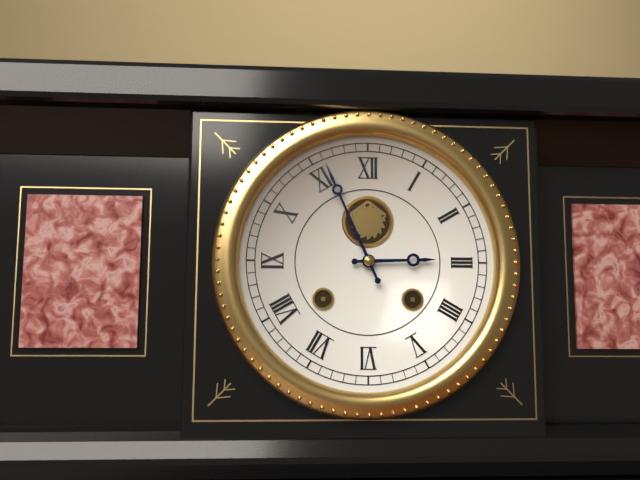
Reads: 2 h 56 min
